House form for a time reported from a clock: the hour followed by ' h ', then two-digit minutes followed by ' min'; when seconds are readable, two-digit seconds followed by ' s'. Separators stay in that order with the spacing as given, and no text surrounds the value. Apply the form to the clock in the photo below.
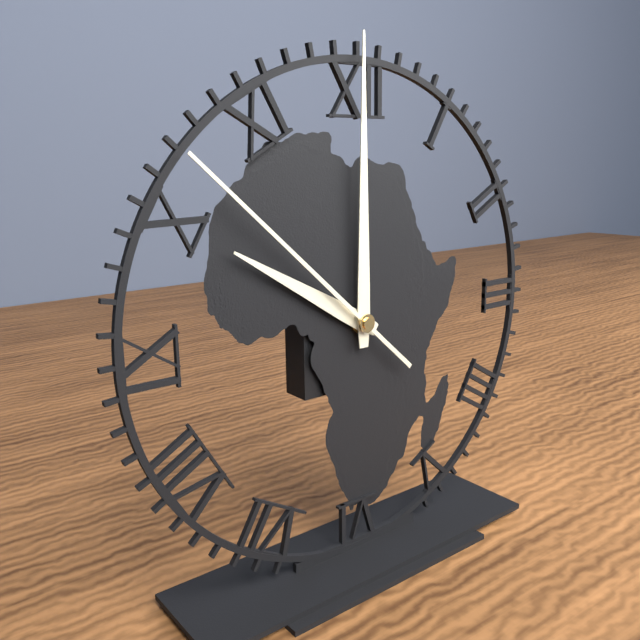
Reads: 10 h 00 min 52 s
